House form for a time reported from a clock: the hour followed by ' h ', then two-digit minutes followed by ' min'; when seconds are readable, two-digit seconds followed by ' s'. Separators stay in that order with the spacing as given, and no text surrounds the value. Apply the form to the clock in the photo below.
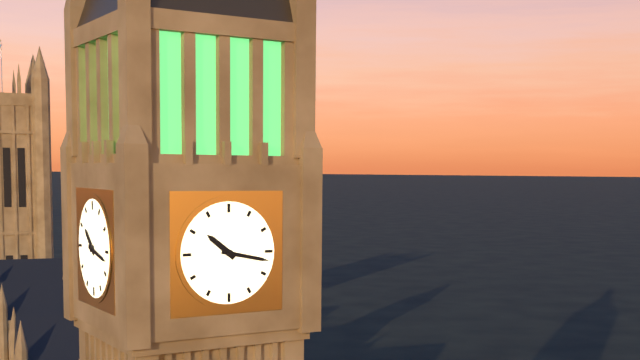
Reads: 10 h 17 min
